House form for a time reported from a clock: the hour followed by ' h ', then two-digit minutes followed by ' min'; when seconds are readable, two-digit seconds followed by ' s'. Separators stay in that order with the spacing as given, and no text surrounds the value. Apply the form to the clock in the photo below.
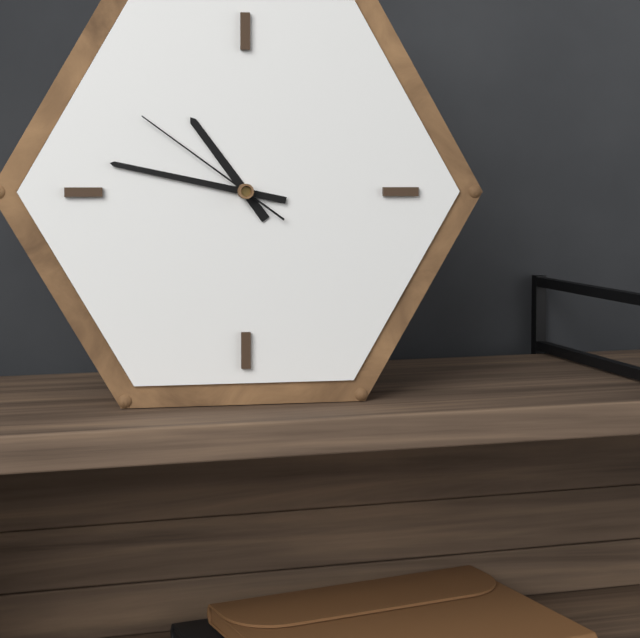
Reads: 10 h 47 min 51 s
